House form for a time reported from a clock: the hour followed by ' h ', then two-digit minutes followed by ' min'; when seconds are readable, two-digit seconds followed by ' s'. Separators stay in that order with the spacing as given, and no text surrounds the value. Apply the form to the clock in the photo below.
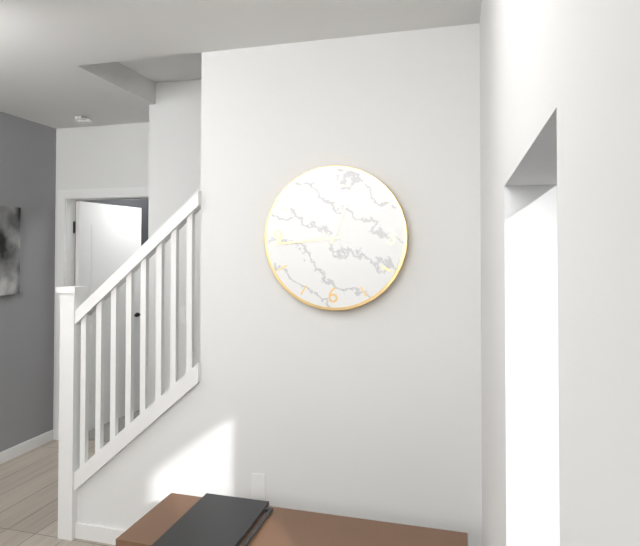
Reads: 12 h 44 min
